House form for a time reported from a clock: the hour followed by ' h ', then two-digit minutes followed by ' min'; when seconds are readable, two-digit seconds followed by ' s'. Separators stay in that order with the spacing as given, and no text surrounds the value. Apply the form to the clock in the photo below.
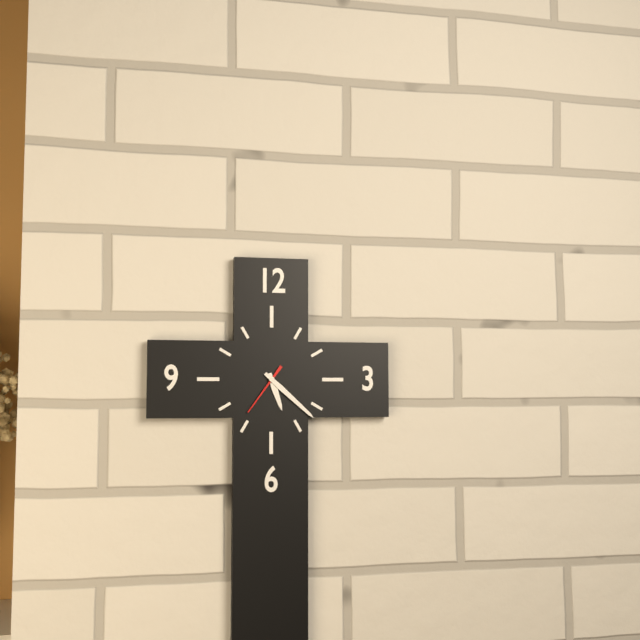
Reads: 5 h 22 min 36 s
